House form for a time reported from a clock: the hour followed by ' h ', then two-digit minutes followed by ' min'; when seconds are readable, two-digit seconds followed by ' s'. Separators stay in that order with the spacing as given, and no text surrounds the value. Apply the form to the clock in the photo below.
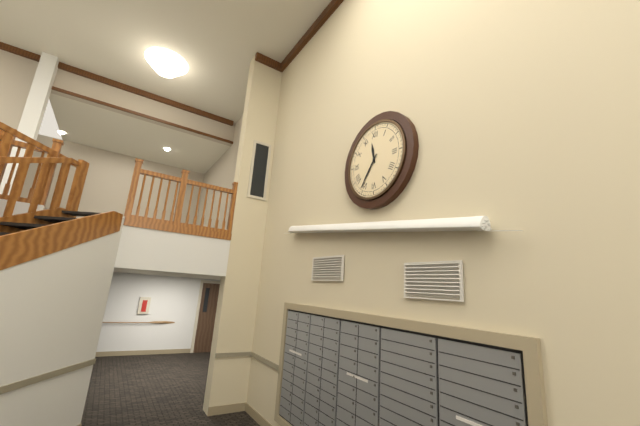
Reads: 11 h 36 min
